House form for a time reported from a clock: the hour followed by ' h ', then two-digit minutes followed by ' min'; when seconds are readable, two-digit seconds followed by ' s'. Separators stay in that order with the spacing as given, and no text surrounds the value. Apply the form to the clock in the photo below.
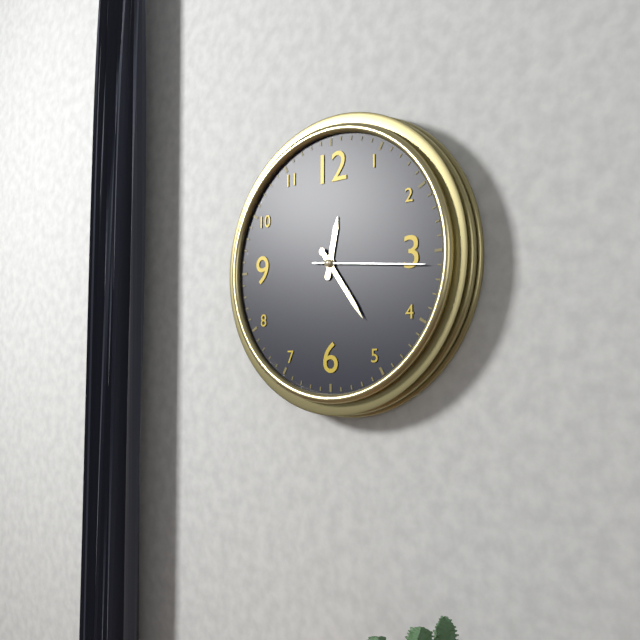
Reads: 12 h 24 min 16 s
